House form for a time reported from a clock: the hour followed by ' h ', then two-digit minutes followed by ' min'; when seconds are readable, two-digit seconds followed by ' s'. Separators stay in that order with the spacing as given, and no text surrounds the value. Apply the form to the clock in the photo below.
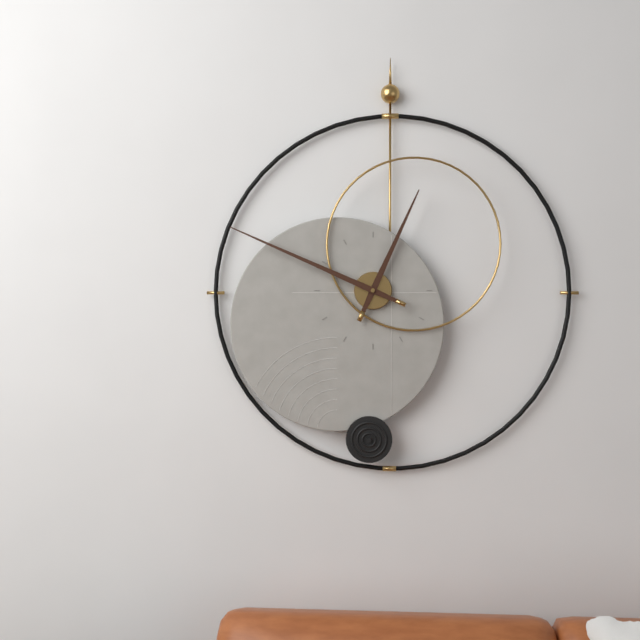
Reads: 12 h 49 min
